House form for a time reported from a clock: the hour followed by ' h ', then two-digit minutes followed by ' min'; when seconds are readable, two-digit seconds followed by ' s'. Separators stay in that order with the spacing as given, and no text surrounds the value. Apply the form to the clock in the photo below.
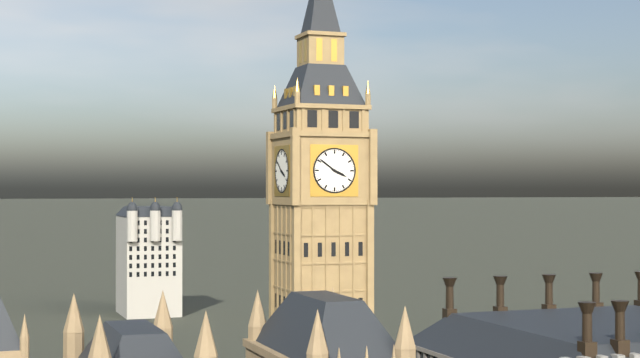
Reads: 3 h 51 min
